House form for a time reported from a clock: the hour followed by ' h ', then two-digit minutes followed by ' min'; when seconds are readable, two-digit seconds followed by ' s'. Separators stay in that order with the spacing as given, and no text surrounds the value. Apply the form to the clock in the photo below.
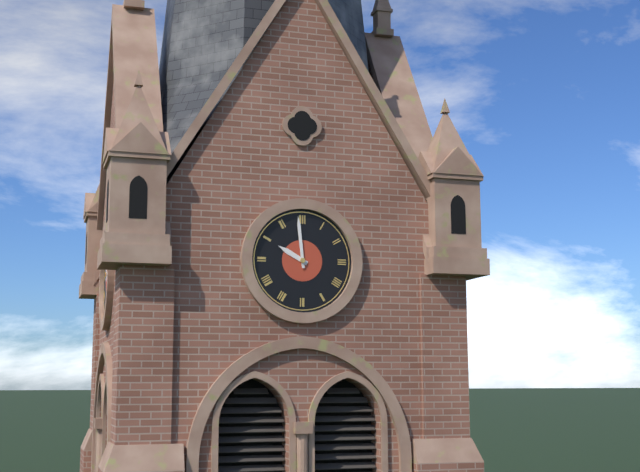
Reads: 9 h 59 min
